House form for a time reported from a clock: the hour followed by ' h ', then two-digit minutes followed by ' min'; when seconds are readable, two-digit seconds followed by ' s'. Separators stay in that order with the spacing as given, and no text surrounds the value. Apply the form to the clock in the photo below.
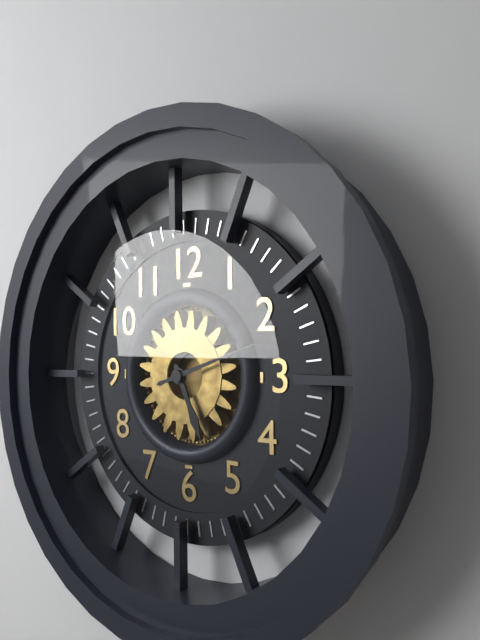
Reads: 5 h 12 min
